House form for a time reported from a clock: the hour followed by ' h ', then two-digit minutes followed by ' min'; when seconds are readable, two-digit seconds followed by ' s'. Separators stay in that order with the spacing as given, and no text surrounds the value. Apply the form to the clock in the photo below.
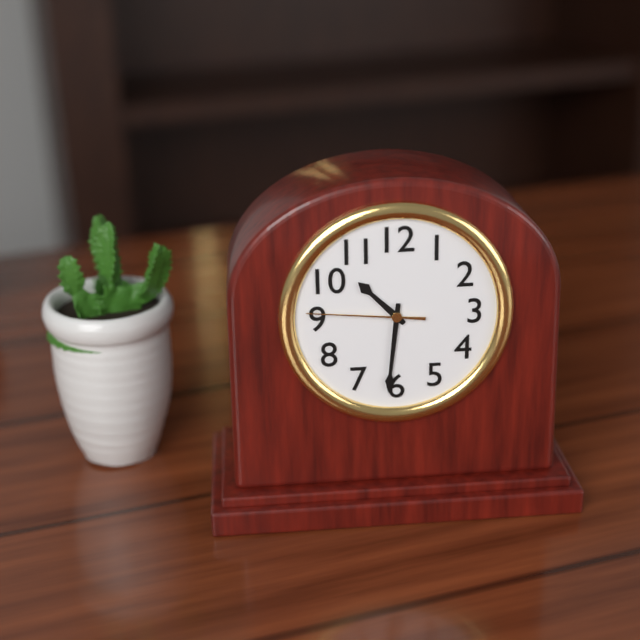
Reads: 10 h 31 min 46 s
